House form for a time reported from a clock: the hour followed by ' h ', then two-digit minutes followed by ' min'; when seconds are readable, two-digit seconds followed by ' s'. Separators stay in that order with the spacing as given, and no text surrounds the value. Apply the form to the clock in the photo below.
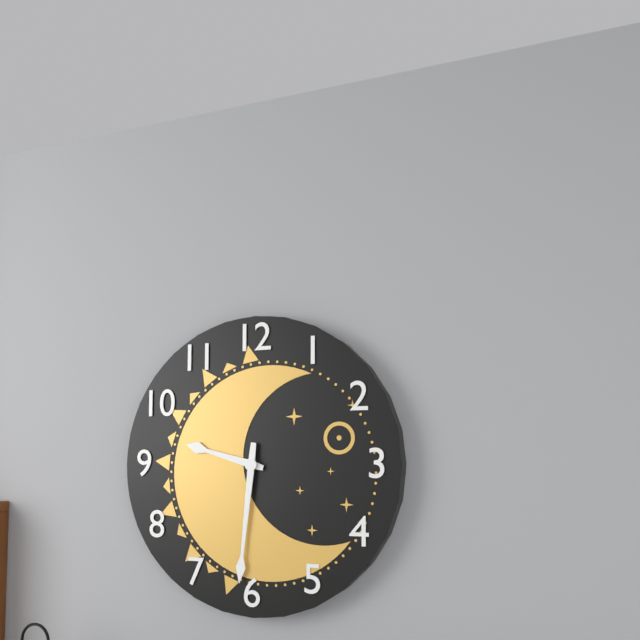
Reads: 9 h 31 min
